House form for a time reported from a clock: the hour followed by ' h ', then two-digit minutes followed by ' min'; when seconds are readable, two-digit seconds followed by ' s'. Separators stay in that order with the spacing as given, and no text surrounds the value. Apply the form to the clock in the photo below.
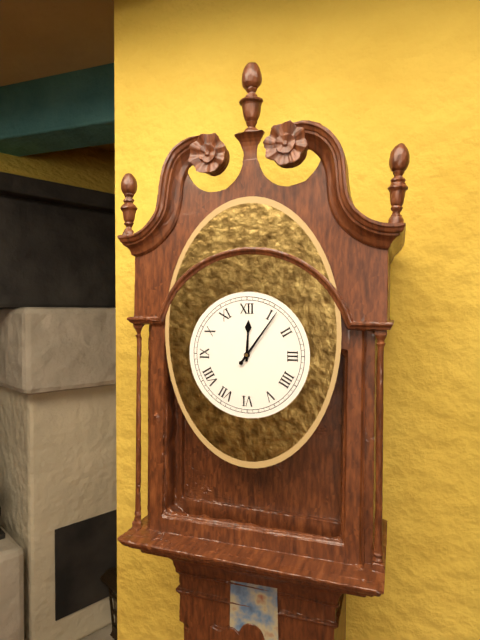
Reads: 12 h 06 min
